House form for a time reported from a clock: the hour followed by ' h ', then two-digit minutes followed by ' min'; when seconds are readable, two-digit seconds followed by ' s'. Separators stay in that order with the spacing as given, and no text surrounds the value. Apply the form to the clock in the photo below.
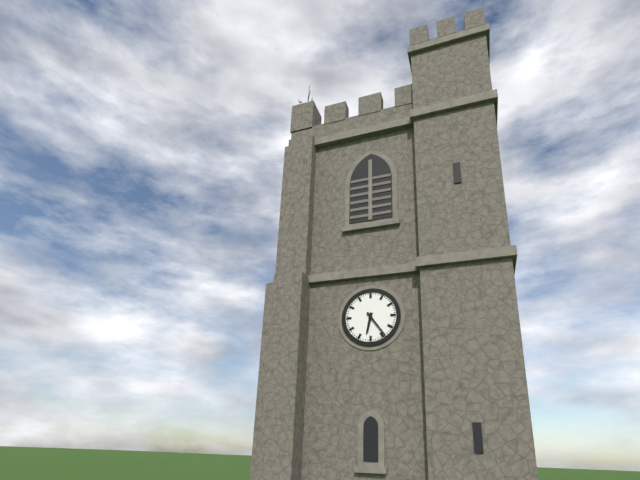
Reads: 6 h 24 min
